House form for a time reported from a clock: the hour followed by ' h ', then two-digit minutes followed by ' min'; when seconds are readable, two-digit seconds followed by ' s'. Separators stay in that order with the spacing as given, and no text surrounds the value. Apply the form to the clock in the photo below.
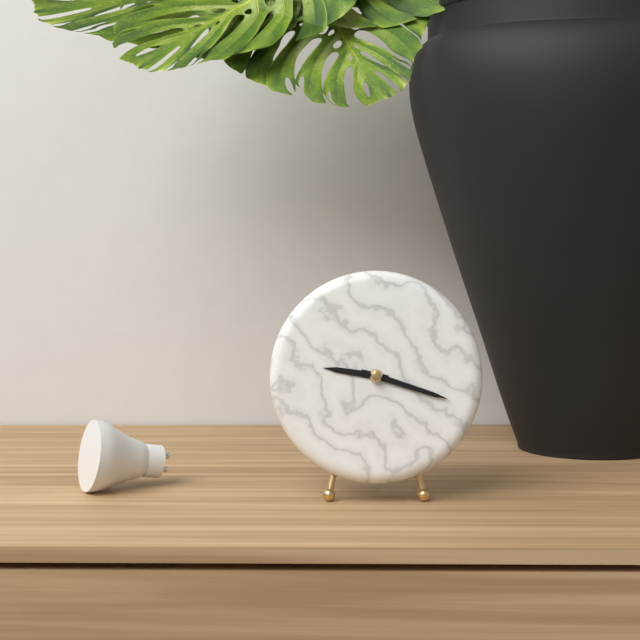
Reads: 9 h 18 min
